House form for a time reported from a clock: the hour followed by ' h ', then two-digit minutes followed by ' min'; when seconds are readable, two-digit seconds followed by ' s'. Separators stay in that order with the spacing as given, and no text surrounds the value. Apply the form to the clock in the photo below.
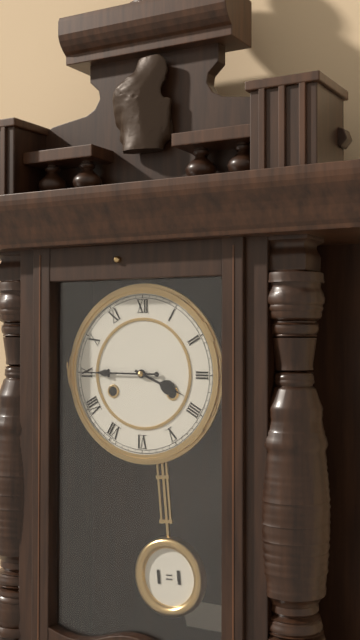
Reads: 3 h 45 min
